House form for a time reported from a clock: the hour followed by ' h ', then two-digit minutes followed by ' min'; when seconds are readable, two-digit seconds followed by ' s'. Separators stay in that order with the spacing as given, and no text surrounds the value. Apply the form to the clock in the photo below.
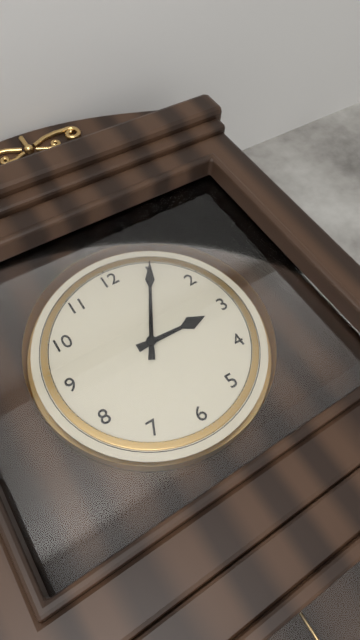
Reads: 3 h 05 min
